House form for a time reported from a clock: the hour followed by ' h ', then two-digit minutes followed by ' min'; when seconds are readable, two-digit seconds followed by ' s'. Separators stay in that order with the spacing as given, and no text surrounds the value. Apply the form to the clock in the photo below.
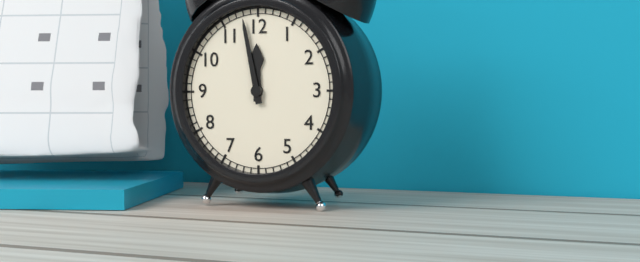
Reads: 11 h 58 min
